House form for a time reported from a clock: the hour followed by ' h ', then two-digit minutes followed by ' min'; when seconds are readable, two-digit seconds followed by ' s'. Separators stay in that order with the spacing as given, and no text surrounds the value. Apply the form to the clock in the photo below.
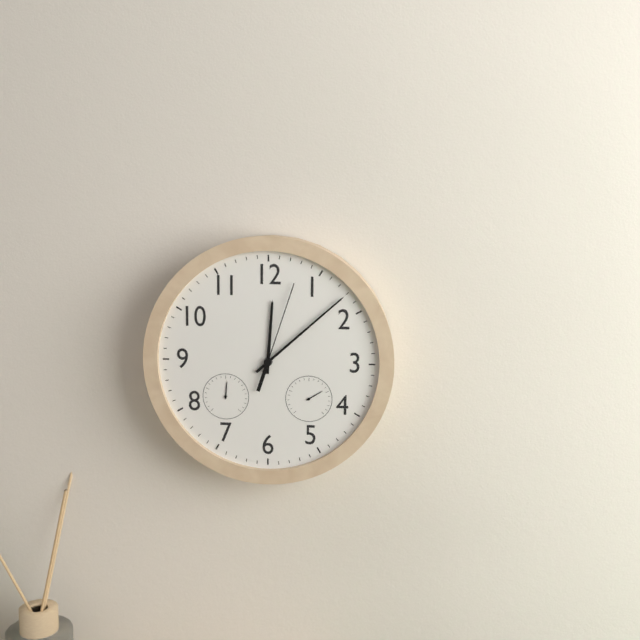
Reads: 12 h 08 min 03 s
